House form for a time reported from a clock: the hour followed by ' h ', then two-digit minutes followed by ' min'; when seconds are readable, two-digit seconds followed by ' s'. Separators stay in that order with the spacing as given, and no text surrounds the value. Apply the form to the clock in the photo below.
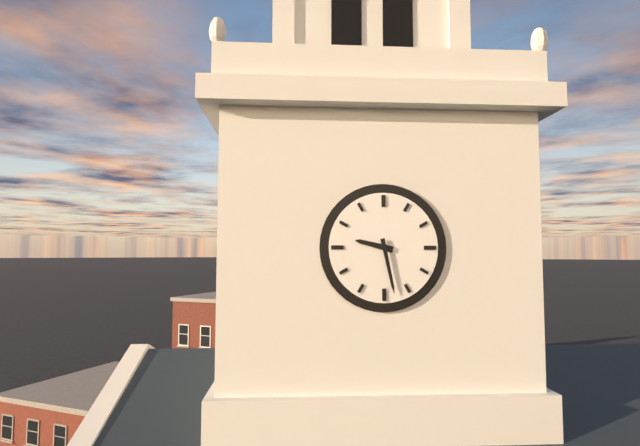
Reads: 9 h 28 min
